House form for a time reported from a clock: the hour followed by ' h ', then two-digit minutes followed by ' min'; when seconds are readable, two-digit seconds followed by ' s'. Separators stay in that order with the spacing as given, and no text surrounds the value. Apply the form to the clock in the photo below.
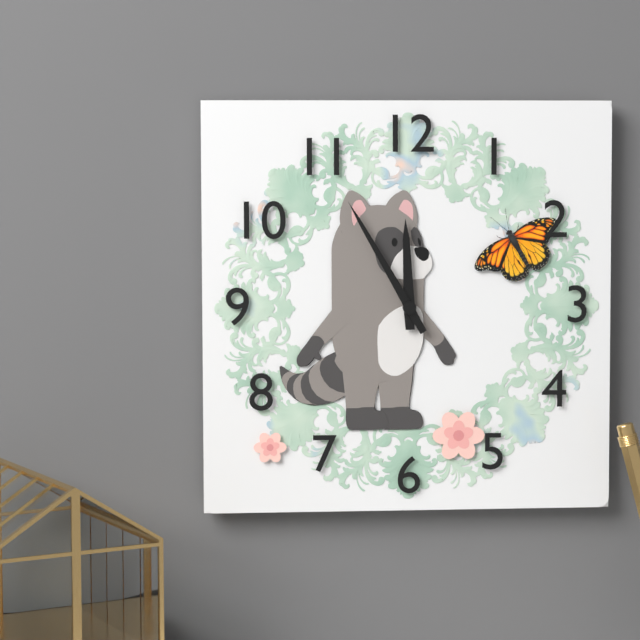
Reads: 11 h 55 min
